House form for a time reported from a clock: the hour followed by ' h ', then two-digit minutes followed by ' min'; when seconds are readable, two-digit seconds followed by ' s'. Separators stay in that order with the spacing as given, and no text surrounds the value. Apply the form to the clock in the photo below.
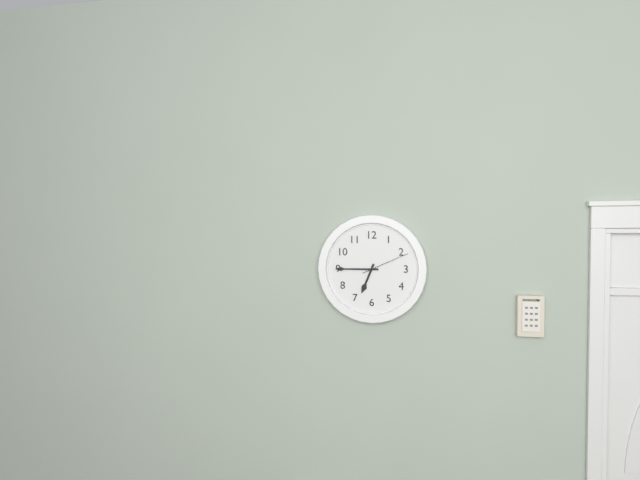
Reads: 6 h 45 min
